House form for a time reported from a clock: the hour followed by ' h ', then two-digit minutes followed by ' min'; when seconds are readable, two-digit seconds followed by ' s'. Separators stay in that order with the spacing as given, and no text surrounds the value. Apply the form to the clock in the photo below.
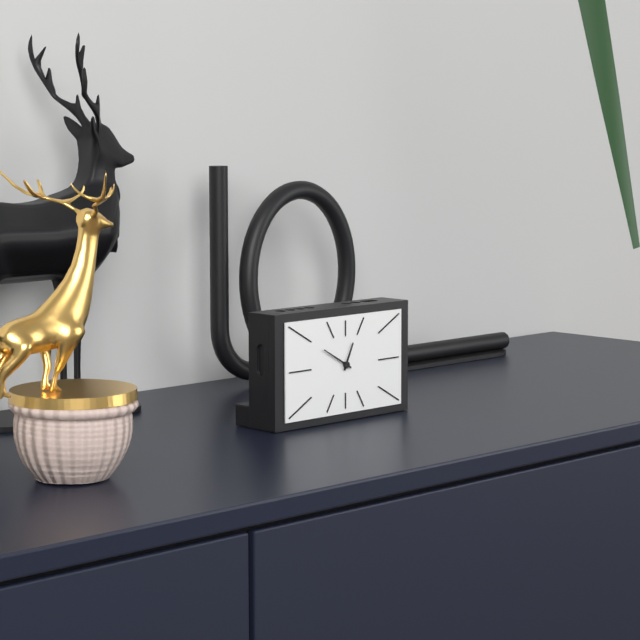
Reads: 12 h 50 min
